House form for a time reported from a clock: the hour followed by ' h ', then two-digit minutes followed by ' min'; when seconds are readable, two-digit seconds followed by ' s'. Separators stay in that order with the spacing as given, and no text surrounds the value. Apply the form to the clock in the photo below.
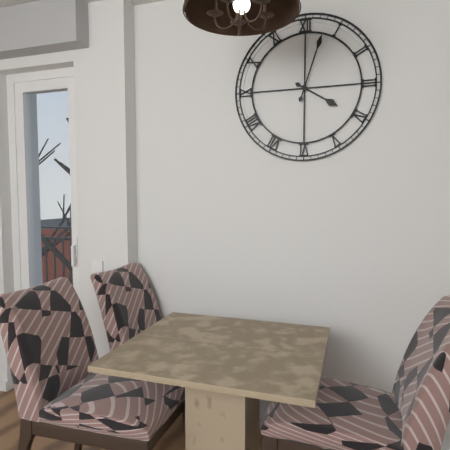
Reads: 4 h 03 min
